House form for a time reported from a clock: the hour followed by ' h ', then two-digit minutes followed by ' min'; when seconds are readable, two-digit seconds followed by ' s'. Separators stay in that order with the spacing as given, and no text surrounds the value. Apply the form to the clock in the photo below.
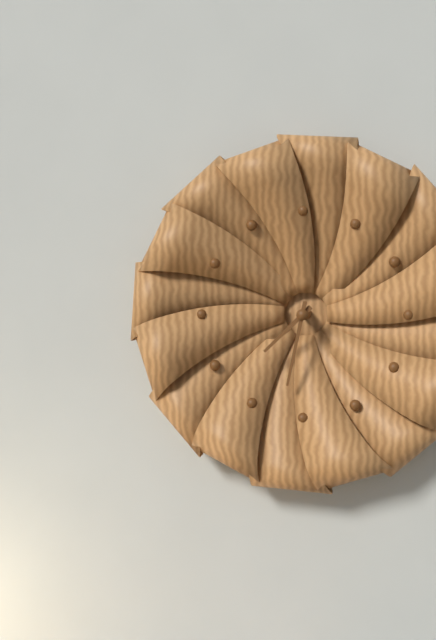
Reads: 7 h 32 min
